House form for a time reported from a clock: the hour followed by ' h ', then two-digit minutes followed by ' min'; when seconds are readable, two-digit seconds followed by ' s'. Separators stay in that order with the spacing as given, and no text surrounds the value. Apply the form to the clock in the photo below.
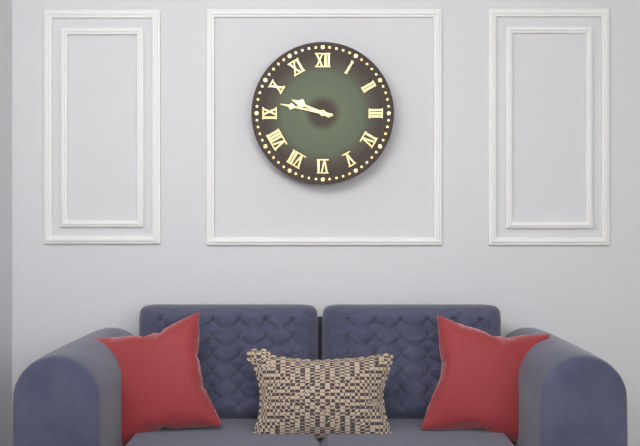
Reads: 9 h 47 min
